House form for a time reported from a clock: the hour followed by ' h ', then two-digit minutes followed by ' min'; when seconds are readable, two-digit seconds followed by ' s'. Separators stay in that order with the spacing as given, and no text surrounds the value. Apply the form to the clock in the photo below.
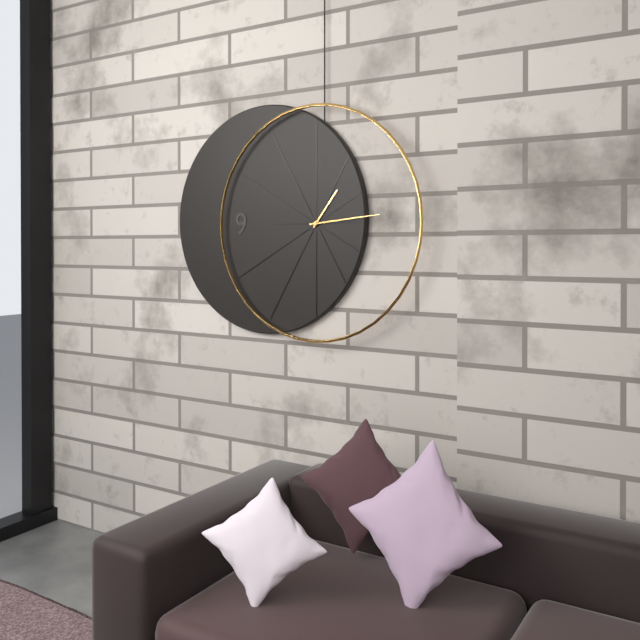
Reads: 1 h 14 min
